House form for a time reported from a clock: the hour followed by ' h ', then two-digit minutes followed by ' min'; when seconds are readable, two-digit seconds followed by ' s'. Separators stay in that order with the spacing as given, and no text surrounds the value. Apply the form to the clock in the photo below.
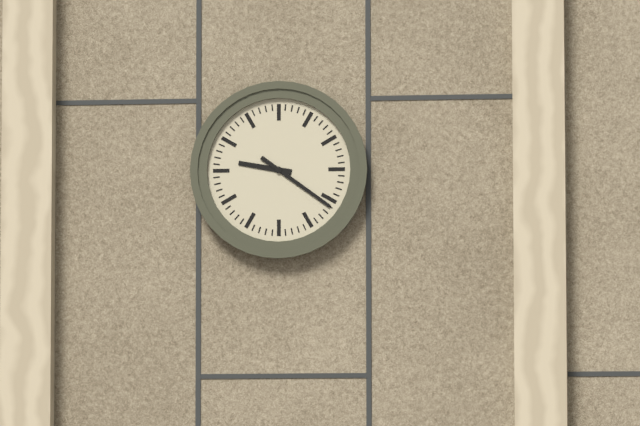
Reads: 9 h 21 min
